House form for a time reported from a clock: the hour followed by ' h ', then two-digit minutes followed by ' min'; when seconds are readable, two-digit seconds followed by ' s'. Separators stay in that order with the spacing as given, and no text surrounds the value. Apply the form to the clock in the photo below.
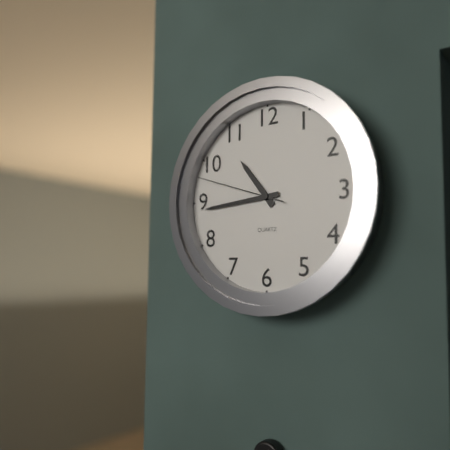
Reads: 10 h 44 min 48 s
